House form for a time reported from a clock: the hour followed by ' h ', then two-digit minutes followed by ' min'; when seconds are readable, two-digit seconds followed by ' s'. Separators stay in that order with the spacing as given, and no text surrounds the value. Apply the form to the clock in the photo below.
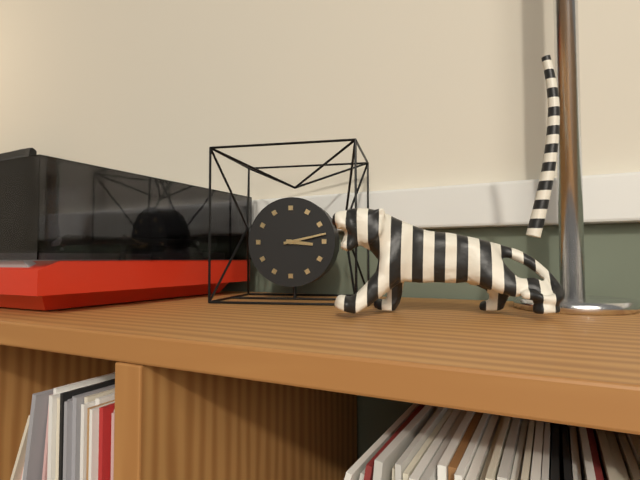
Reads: 3 h 13 min
